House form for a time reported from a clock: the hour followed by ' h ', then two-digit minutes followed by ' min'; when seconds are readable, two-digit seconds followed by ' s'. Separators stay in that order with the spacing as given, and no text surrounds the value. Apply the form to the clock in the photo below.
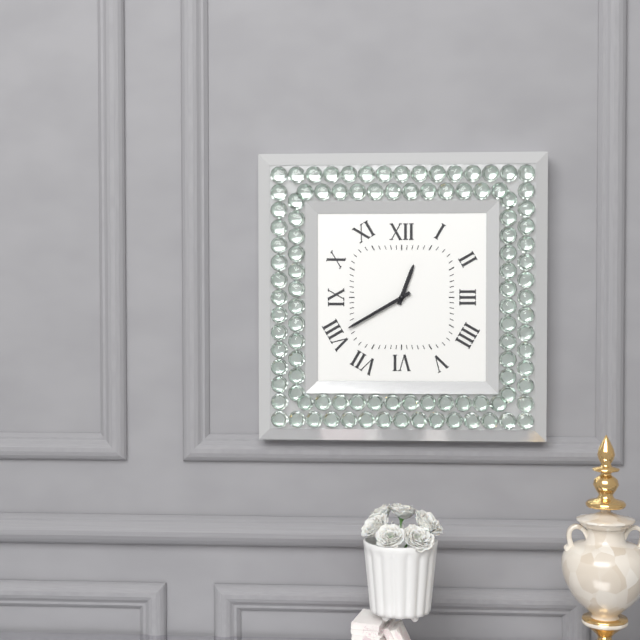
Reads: 12 h 40 min
